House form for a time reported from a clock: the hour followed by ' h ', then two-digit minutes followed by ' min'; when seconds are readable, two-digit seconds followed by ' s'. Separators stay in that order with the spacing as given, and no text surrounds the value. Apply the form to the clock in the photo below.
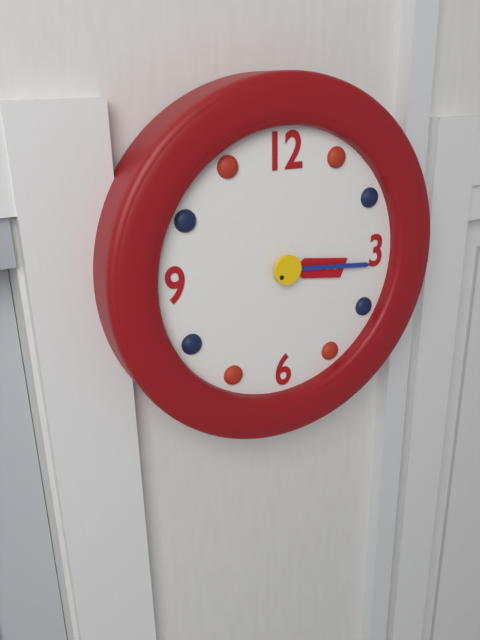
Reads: 3 h 16 min
